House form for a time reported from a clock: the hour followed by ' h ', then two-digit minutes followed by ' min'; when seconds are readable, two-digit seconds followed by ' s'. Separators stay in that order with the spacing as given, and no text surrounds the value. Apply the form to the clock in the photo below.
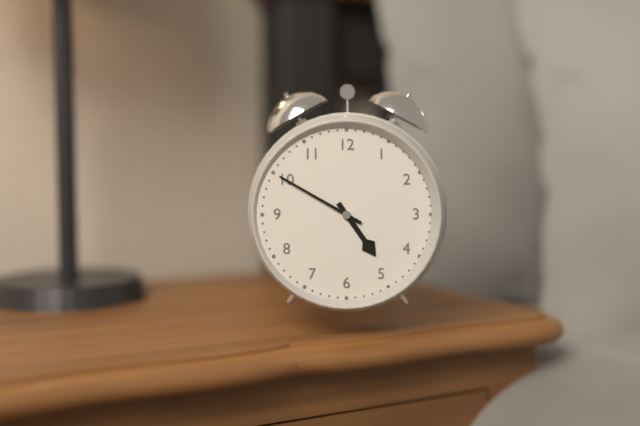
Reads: 4 h 50 min
